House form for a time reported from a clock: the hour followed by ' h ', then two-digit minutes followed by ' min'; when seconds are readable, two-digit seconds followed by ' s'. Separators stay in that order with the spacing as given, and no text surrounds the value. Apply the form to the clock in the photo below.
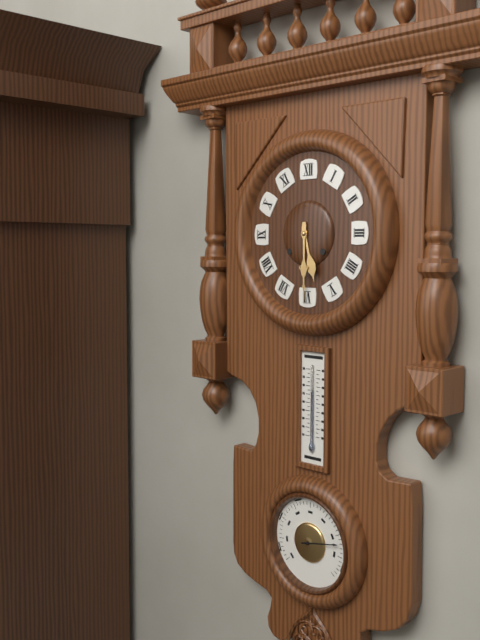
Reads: 5 h 30 min
